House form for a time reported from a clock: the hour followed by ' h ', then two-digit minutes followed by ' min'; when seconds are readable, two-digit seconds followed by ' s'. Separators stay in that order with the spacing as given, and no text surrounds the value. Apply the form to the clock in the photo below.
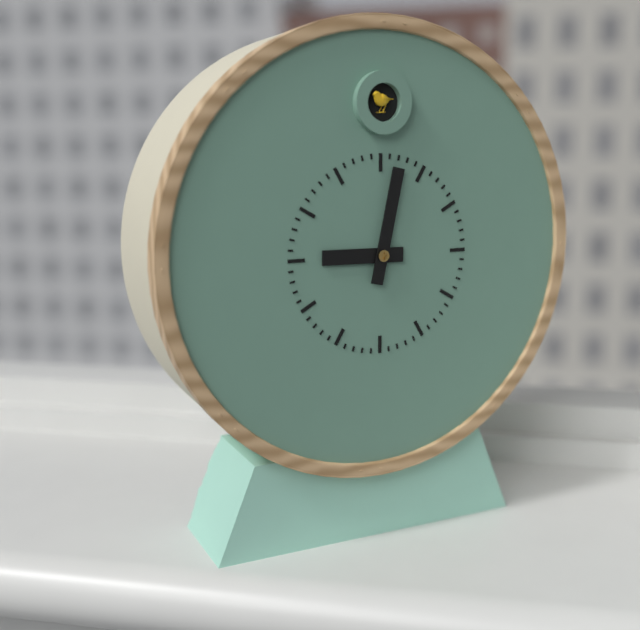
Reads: 9 h 02 min
